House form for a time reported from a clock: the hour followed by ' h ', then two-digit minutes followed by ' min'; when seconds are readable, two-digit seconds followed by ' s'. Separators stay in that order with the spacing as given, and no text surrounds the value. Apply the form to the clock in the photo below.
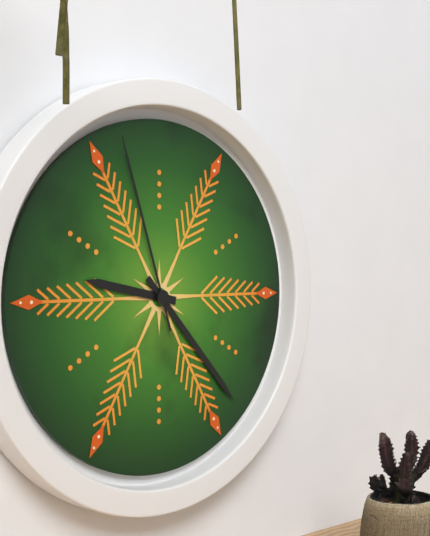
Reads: 9 h 23 min 57 s
